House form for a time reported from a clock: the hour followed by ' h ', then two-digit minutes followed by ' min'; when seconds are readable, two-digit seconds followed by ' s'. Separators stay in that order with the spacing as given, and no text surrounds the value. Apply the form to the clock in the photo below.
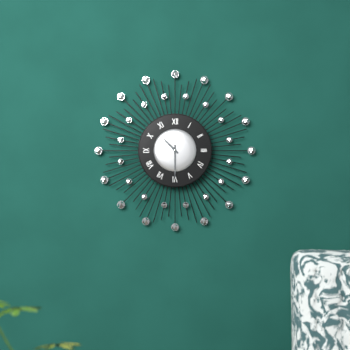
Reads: 10 h 30 min
